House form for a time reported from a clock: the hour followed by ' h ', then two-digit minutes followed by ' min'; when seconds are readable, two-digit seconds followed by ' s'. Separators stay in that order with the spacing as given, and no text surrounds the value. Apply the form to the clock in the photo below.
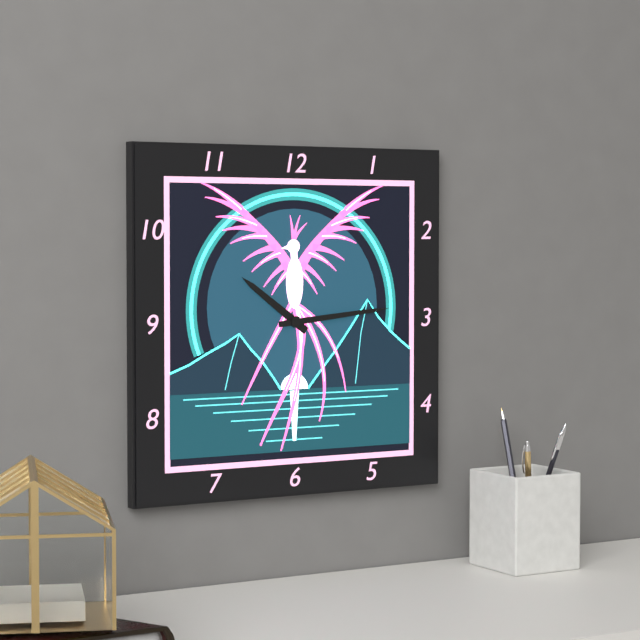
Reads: 10 h 14 min
